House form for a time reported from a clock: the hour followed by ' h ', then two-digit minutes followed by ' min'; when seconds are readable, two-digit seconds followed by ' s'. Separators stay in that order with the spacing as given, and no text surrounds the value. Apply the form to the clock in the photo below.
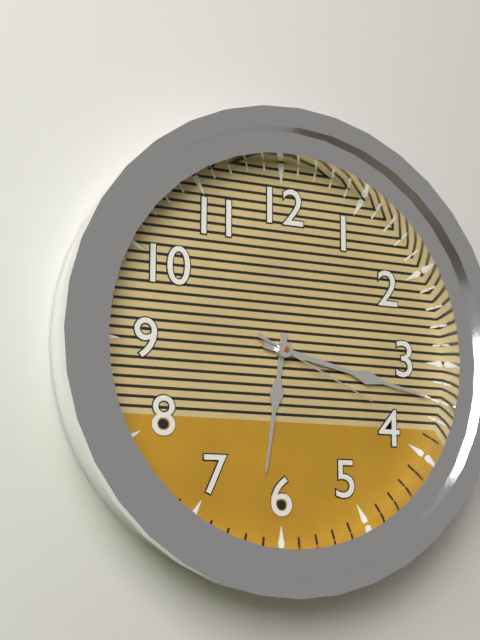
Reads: 6 h 17 min 19 s
